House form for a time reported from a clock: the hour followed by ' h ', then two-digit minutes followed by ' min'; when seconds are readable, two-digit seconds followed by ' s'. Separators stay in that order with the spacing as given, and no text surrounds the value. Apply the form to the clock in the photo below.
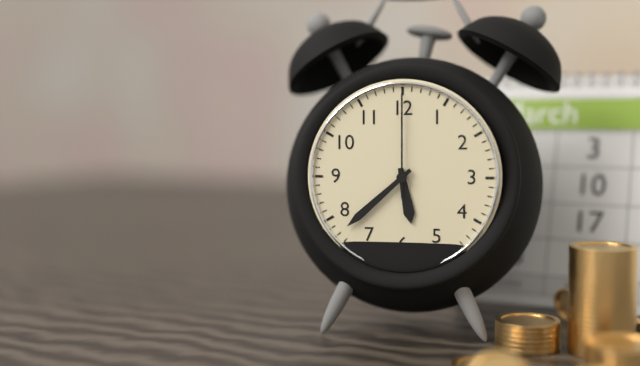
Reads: 5 h 38 min 00 s
